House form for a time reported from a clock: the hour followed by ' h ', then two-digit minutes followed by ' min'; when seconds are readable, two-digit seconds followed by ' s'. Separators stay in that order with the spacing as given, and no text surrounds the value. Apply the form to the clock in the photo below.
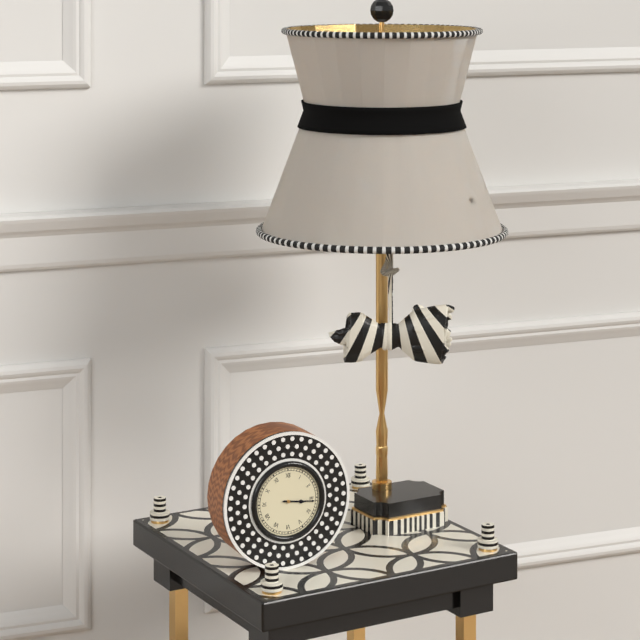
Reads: 3 h 16 min
